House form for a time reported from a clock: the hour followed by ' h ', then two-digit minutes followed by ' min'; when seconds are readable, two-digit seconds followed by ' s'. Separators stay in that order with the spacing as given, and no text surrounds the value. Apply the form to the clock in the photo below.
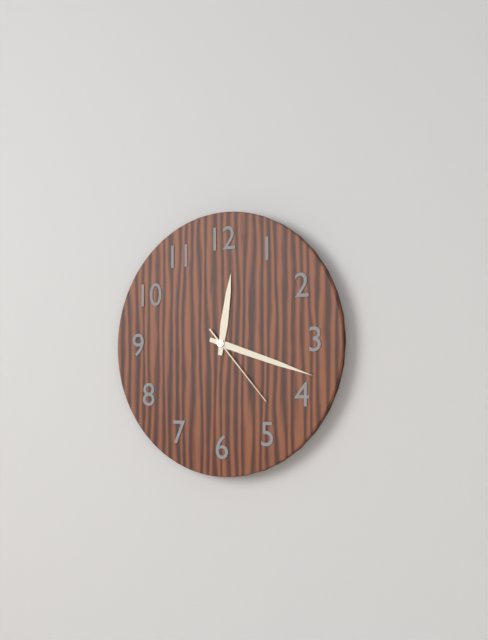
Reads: 12 h 18 min 23 s
